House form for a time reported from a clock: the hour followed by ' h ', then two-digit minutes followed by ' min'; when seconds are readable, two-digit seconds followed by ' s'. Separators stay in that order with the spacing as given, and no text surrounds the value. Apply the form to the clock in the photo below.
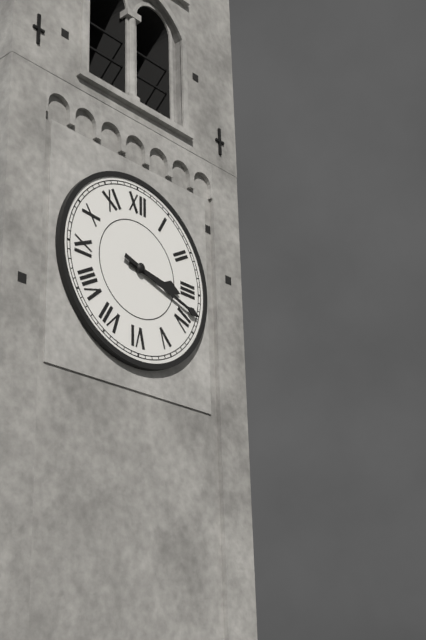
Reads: 3 h 18 min
